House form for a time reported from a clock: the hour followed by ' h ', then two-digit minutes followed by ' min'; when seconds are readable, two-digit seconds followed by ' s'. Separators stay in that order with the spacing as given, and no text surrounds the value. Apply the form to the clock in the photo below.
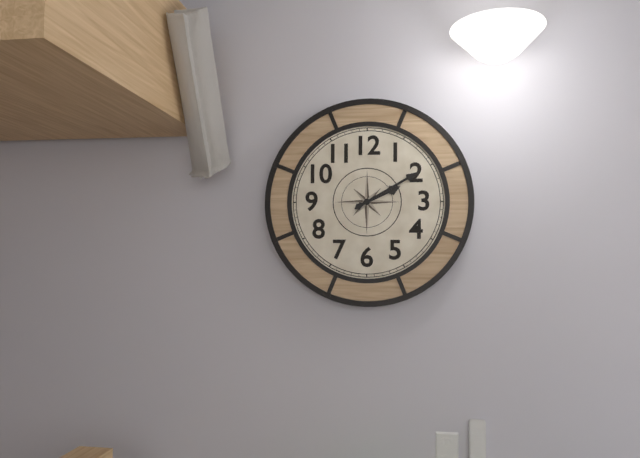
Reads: 2 h 10 min
